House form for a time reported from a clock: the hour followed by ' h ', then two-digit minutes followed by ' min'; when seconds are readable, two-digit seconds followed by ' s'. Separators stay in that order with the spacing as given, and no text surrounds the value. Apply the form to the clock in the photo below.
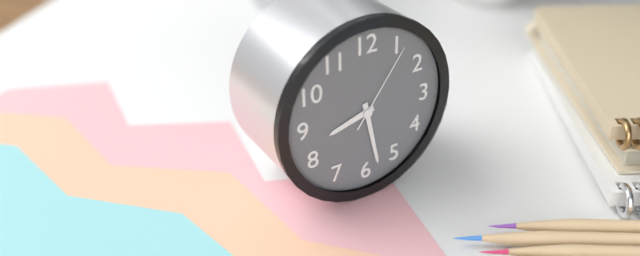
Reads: 8 h 28 min 06 s
